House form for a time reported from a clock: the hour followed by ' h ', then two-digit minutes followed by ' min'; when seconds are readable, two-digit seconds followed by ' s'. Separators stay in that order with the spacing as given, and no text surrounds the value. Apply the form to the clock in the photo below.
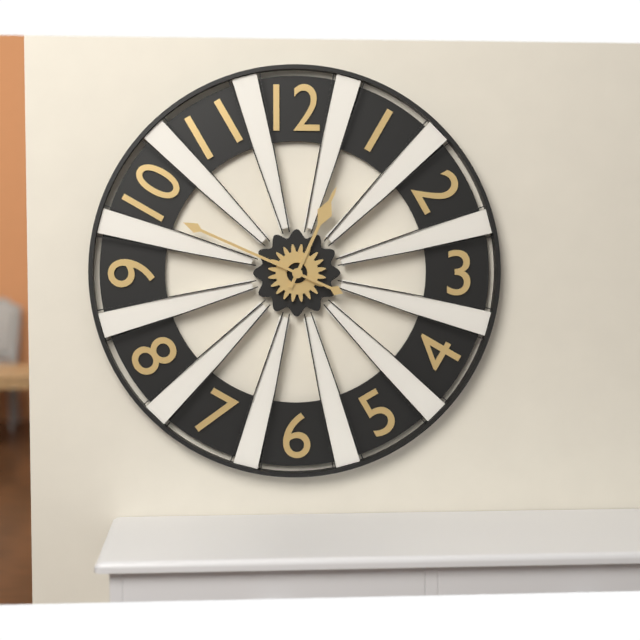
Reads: 12 h 49 min
